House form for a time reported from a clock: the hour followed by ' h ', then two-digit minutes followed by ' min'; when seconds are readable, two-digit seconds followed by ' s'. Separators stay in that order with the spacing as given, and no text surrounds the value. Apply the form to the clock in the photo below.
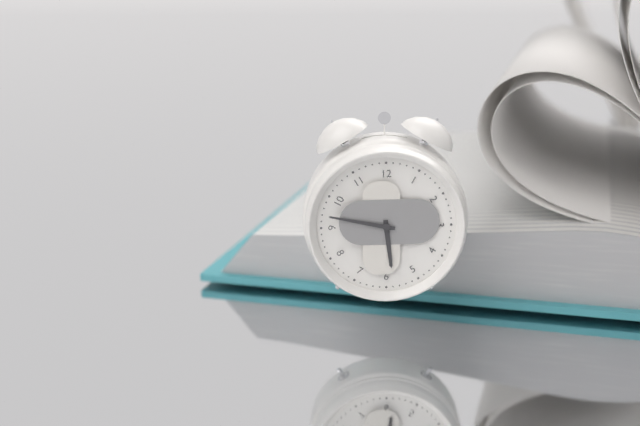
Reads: 5 h 47 min
